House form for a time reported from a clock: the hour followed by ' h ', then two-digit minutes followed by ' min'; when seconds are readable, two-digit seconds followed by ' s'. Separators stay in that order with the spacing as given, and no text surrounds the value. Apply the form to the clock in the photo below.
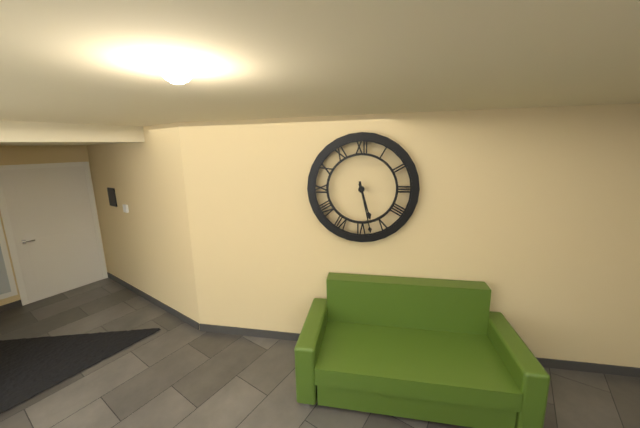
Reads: 5 h 28 min
